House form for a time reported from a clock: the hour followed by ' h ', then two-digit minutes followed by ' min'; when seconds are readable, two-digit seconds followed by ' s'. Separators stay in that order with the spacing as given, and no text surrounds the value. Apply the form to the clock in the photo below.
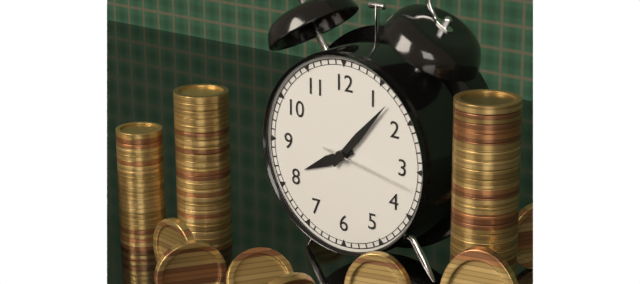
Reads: 8 h 07 min 17 s
